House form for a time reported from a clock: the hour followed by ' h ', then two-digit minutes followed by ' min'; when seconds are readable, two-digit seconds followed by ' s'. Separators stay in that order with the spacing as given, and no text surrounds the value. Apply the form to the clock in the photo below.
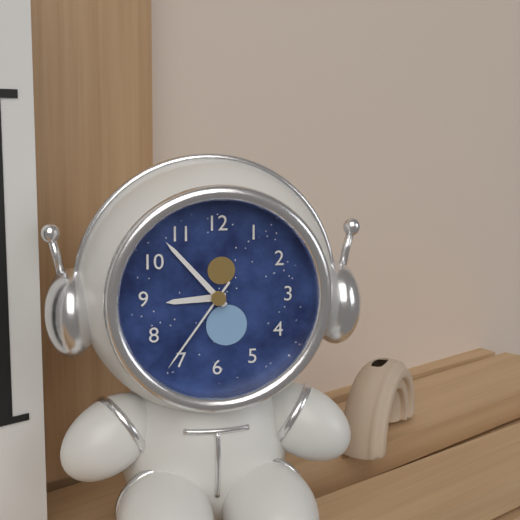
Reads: 8 h 53 min 36 s
